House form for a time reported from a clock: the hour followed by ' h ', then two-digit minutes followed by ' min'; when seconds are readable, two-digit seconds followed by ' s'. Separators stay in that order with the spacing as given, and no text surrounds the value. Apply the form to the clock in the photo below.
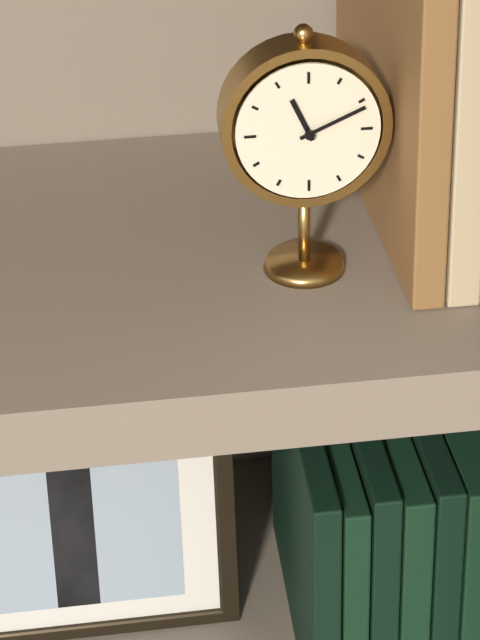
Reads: 11 h 11 min
